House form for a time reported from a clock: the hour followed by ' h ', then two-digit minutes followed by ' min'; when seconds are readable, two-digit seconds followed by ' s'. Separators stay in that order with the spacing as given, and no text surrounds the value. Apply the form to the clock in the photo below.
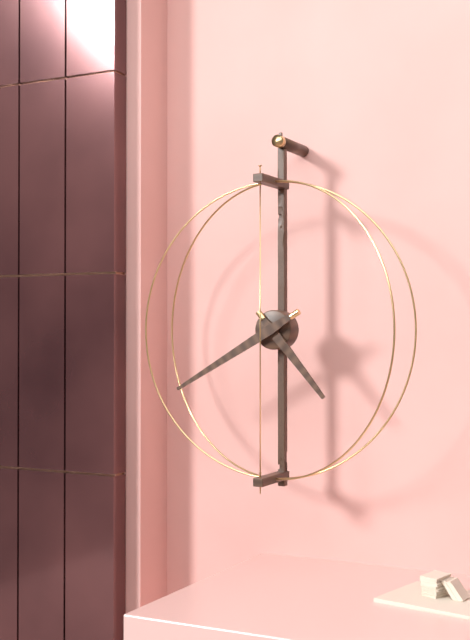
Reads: 4 h 40 min
